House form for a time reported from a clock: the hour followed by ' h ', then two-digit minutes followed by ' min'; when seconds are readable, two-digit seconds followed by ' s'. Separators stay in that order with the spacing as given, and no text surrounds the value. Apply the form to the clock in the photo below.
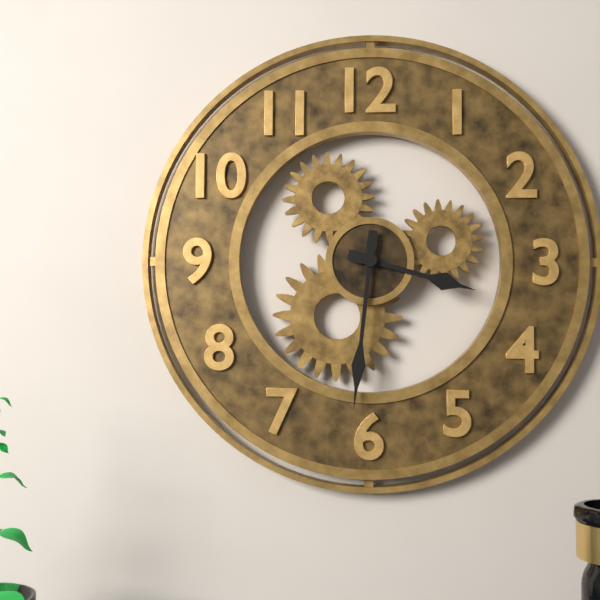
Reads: 3 h 31 min
